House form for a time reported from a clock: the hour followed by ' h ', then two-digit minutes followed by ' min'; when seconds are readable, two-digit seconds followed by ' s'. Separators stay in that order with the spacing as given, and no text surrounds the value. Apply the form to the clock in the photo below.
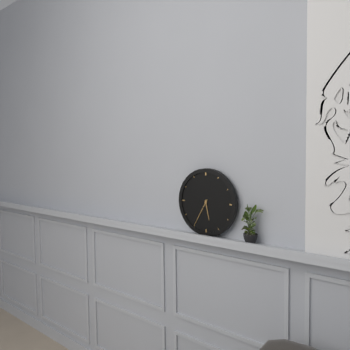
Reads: 5 h 35 min
